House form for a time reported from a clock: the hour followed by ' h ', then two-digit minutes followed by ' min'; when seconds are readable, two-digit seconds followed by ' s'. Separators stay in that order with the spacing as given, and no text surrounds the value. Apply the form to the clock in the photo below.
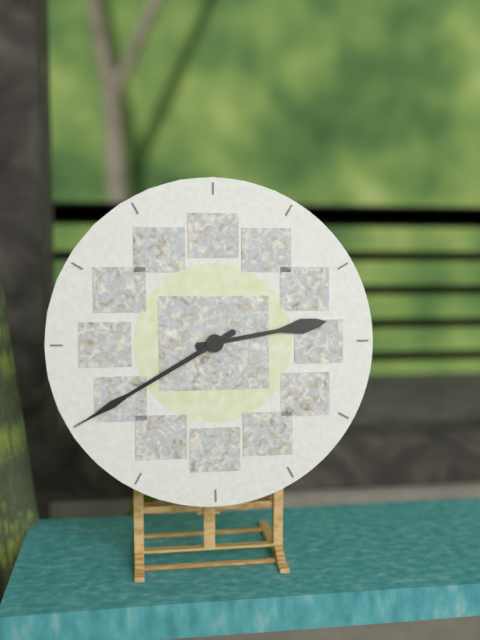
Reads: 2 h 40 min
